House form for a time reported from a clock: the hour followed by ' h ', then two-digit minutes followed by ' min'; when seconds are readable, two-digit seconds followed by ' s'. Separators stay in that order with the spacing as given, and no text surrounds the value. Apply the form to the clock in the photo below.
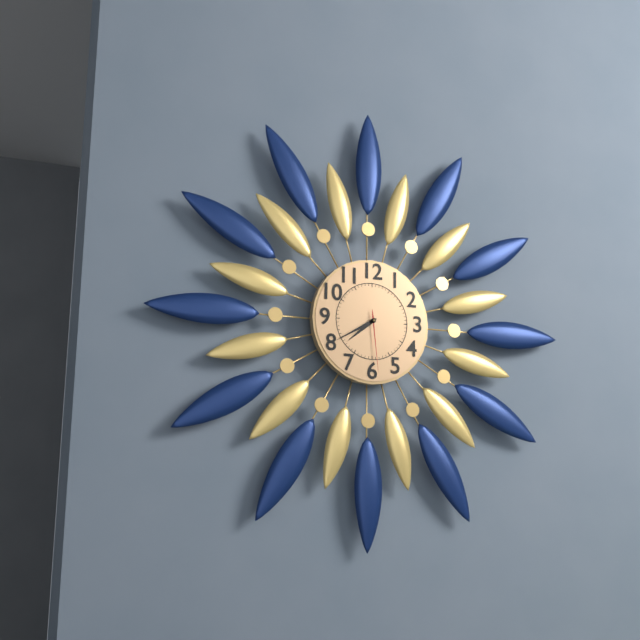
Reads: 7 h 40 min 29 s
